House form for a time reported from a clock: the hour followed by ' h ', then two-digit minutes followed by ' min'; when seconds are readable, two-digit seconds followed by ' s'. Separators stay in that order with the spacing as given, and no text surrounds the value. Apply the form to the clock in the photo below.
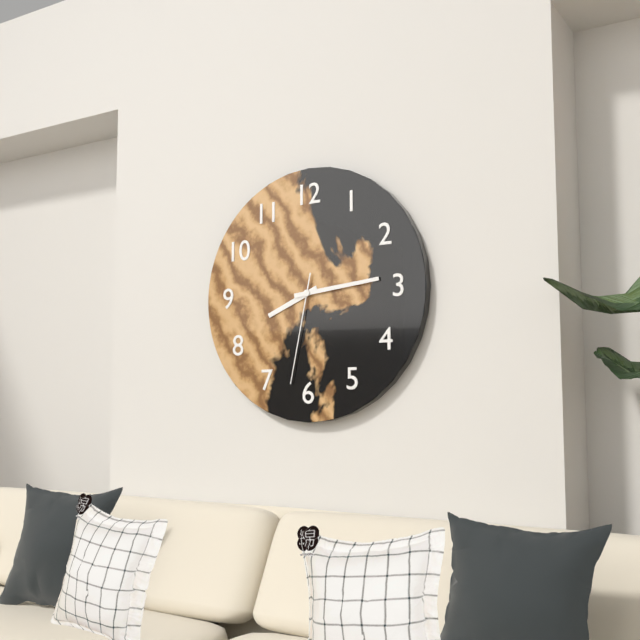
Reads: 8 h 14 min 32 s
